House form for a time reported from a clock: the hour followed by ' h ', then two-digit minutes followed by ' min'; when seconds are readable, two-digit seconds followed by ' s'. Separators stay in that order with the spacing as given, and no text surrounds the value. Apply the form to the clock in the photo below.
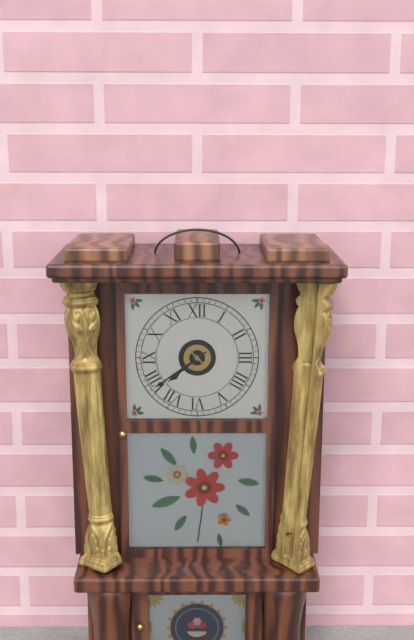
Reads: 7 h 39 min
